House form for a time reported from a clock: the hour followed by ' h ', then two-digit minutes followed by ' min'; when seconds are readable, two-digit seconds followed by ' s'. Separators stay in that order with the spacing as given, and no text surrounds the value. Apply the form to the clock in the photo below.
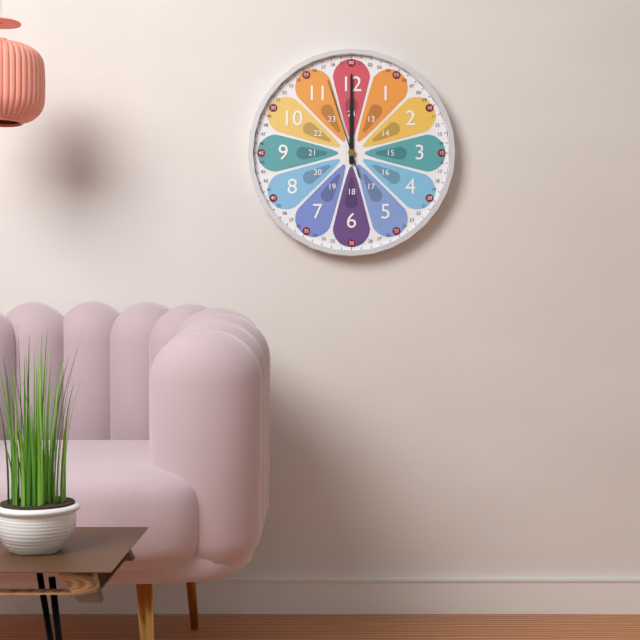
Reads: 12 h 00 min 57 s
